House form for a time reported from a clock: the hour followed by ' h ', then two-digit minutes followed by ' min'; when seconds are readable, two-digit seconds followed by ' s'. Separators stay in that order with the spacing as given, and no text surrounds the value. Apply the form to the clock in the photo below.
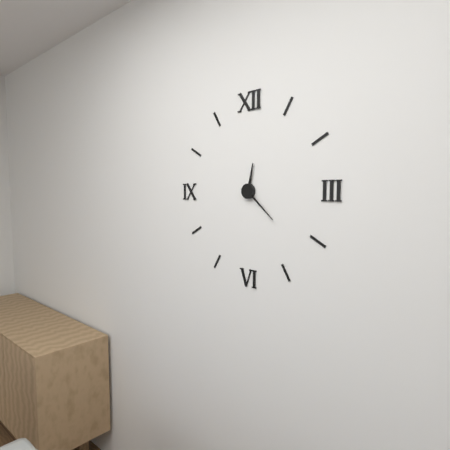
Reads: 12 h 22 min
